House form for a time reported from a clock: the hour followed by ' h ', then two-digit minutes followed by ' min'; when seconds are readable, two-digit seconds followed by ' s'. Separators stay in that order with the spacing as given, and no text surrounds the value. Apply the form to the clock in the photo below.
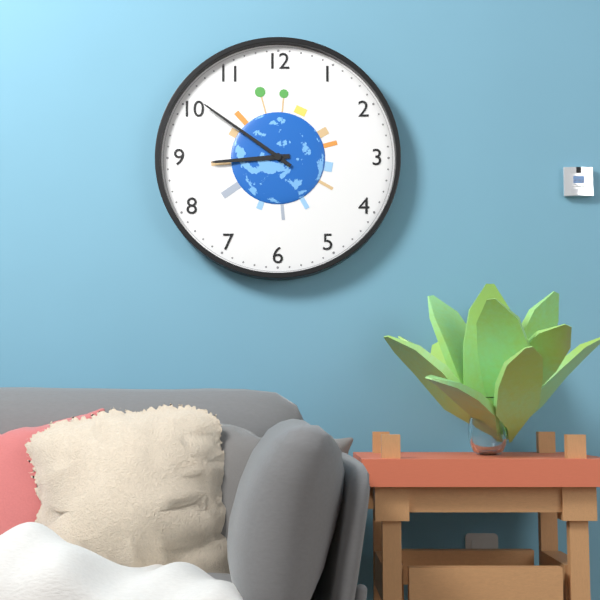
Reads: 8 h 51 min
